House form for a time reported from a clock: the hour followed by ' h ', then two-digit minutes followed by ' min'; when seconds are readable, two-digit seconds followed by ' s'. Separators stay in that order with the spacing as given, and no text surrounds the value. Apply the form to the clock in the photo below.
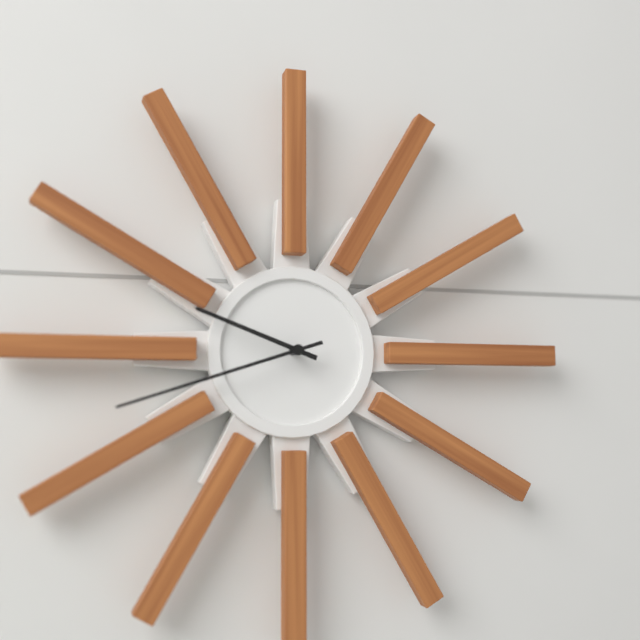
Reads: 9 h 42 min
